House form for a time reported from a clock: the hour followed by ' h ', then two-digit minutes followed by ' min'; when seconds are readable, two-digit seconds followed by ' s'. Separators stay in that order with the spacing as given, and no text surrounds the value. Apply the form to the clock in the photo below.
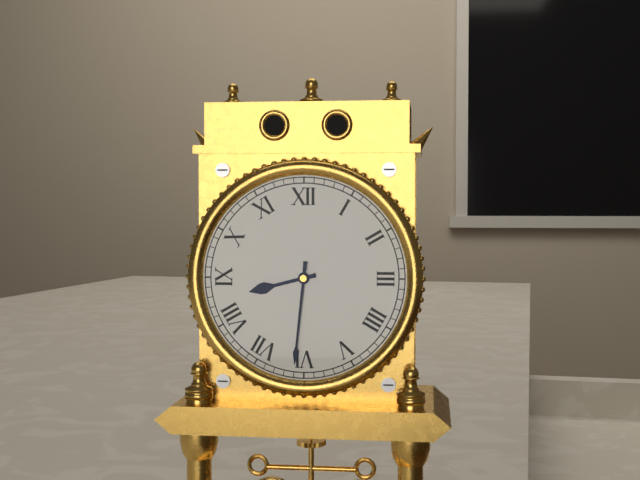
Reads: 8 h 31 min
